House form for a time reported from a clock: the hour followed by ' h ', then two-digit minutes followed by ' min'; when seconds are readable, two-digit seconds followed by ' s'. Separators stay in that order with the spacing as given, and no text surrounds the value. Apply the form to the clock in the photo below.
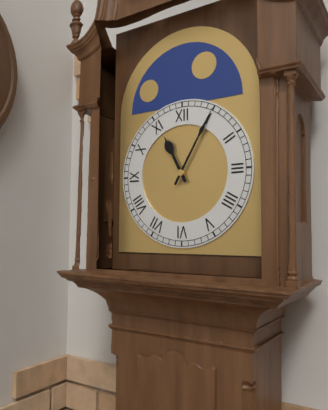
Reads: 11 h 05 min
